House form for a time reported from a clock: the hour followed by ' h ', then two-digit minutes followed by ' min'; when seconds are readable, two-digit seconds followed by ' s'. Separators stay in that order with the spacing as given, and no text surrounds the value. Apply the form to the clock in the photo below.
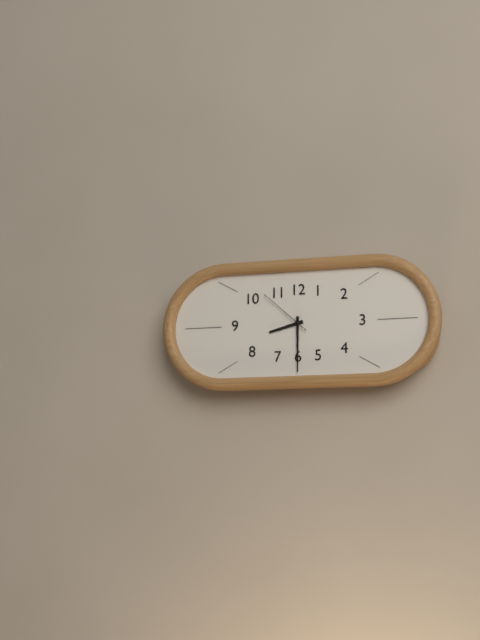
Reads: 8 h 30 min 52 s
